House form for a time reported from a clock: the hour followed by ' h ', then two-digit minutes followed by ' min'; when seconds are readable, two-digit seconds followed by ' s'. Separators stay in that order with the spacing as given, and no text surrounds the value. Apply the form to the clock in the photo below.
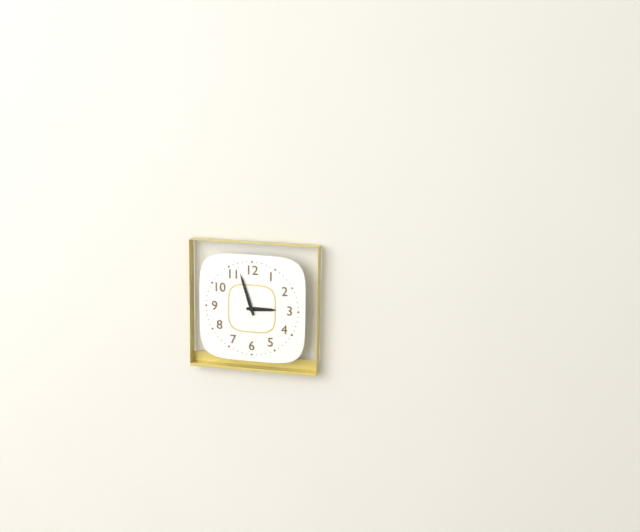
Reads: 2 h 57 min
